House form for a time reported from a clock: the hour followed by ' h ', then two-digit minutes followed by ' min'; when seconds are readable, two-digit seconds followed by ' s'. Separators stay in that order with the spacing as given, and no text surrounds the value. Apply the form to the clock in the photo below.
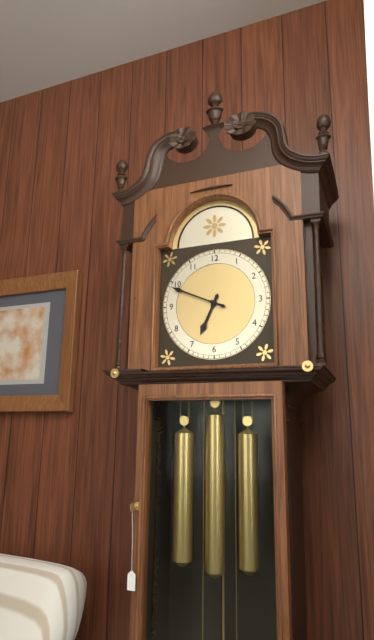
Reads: 6 h 49 min
